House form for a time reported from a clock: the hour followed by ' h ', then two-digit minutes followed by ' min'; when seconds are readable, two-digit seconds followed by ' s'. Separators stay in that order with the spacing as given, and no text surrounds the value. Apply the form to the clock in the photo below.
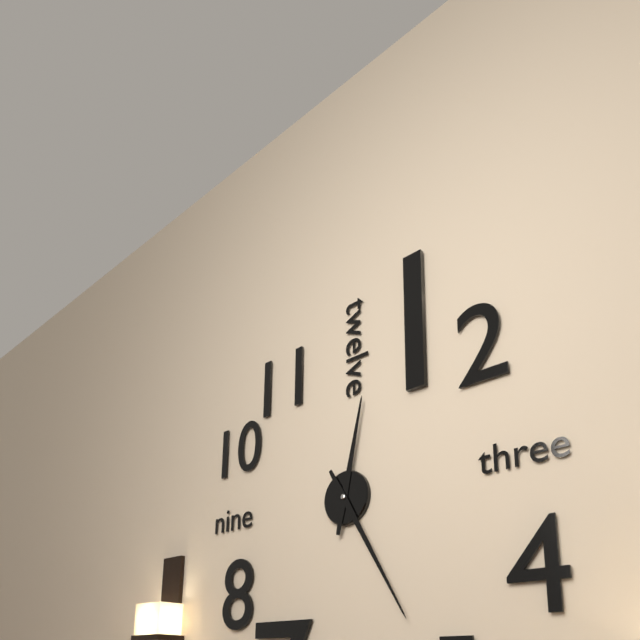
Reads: 12 h 25 min
